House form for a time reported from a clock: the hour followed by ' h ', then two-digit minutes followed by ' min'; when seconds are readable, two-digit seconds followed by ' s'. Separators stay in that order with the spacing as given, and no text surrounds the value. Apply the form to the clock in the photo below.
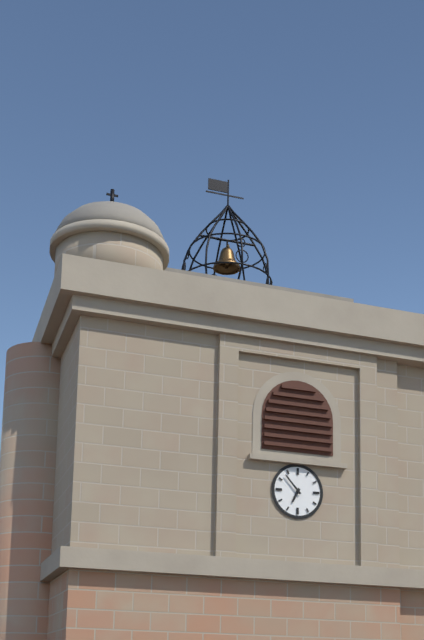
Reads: 6 h 53 min
